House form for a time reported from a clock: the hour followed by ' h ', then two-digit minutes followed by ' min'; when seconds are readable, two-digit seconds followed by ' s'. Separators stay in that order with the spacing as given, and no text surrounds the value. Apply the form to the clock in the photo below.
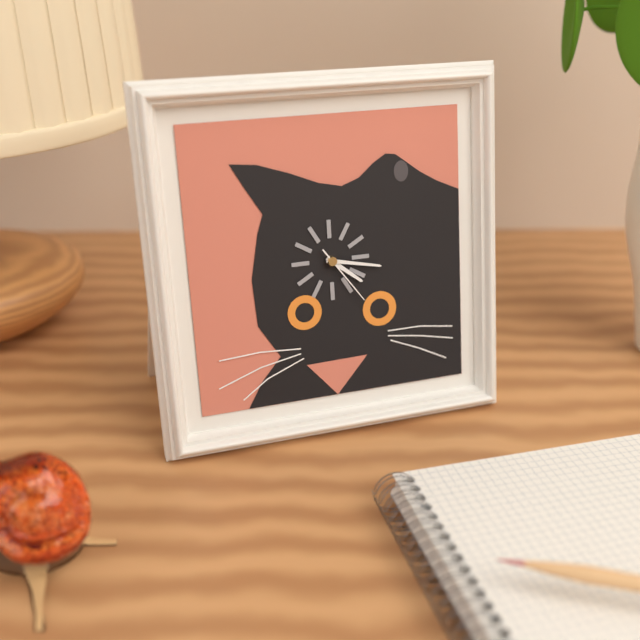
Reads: 4 h 17 min 24 s
